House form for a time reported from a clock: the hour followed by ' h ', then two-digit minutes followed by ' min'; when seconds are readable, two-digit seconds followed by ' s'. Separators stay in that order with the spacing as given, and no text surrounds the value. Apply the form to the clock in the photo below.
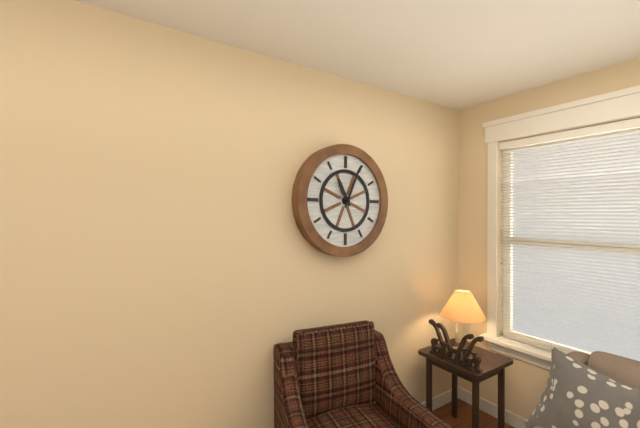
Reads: 11 h 04 min
